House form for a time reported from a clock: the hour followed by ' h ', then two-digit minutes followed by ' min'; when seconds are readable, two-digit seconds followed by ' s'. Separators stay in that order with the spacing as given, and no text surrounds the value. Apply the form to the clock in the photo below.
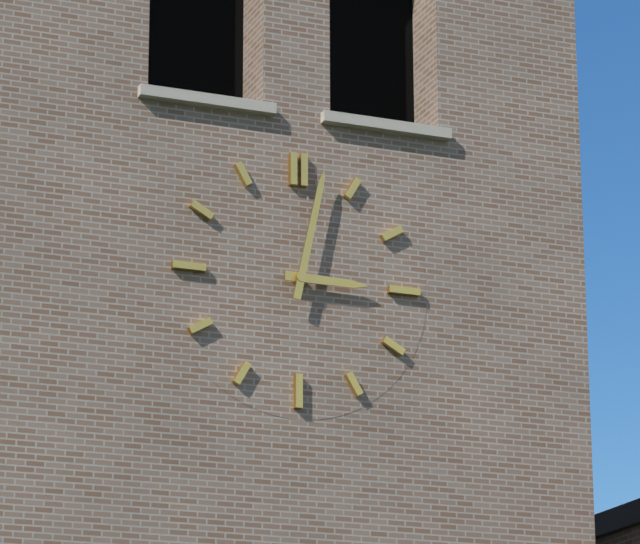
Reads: 3 h 02 min
